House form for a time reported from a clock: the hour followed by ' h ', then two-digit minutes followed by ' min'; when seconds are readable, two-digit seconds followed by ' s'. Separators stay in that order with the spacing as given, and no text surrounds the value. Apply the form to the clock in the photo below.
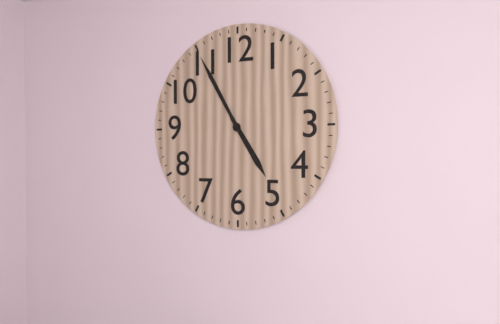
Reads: 4 h 55 min
